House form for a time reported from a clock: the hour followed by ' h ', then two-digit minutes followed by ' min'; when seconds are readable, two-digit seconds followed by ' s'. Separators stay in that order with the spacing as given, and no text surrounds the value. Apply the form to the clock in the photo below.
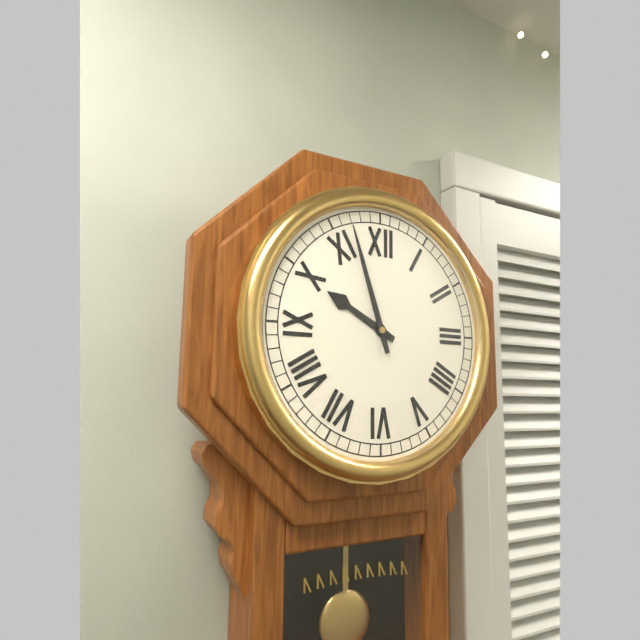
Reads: 9 h 57 min
